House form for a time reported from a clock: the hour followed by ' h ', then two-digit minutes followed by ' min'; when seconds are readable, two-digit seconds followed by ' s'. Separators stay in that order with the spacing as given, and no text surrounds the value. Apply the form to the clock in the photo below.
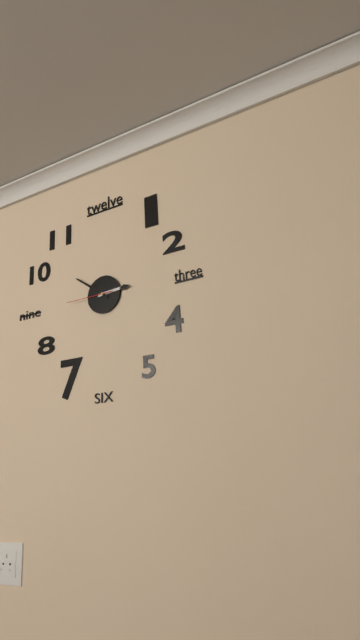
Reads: 2 h 51 min
